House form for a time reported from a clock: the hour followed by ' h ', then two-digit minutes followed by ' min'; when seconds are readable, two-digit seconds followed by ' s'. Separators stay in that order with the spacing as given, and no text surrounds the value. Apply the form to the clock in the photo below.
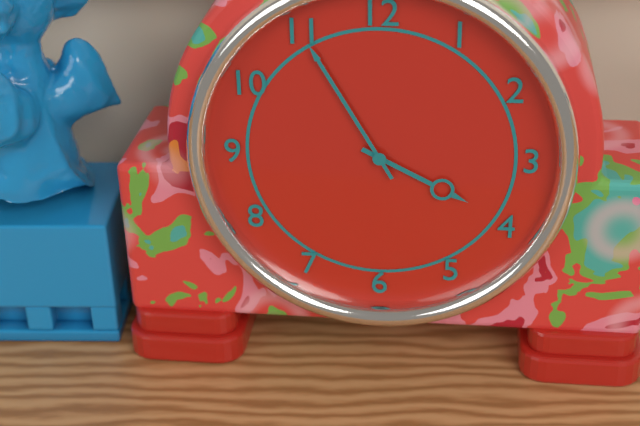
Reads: 3 h 55 min
